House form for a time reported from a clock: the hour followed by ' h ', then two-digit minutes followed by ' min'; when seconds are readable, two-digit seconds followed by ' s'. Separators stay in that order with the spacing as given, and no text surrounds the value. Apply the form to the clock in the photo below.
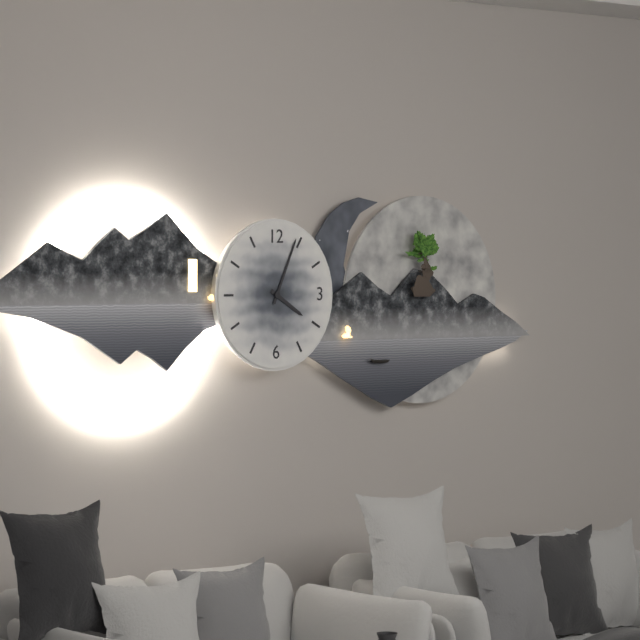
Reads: 4 h 04 min
